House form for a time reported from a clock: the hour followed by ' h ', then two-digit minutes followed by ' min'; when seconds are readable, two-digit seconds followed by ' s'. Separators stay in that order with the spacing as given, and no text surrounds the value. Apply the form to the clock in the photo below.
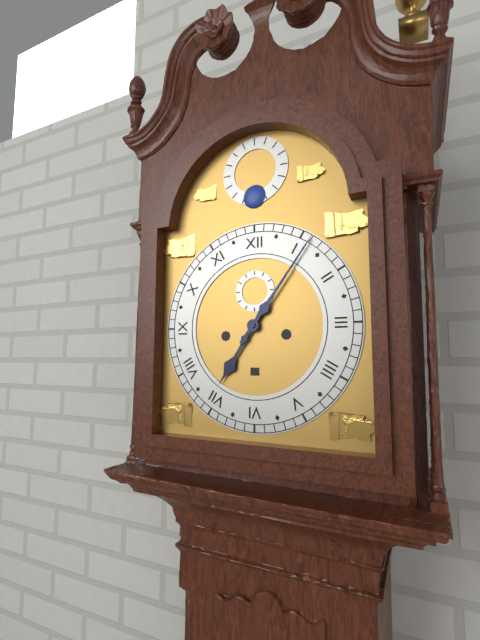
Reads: 7 h 06 min
